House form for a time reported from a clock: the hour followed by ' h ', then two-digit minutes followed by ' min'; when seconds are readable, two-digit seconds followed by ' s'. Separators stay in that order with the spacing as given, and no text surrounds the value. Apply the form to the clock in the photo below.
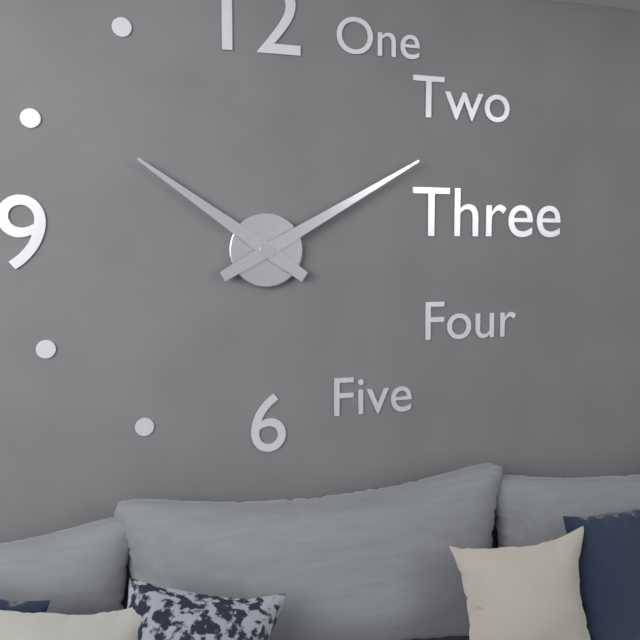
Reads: 10 h 10 min
